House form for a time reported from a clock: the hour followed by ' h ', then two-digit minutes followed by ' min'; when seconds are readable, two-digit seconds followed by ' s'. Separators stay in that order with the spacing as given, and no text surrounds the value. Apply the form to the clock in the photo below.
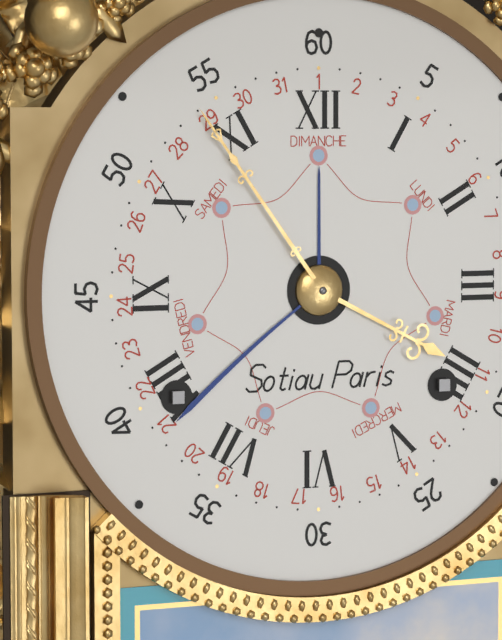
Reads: 3 h 54 min
